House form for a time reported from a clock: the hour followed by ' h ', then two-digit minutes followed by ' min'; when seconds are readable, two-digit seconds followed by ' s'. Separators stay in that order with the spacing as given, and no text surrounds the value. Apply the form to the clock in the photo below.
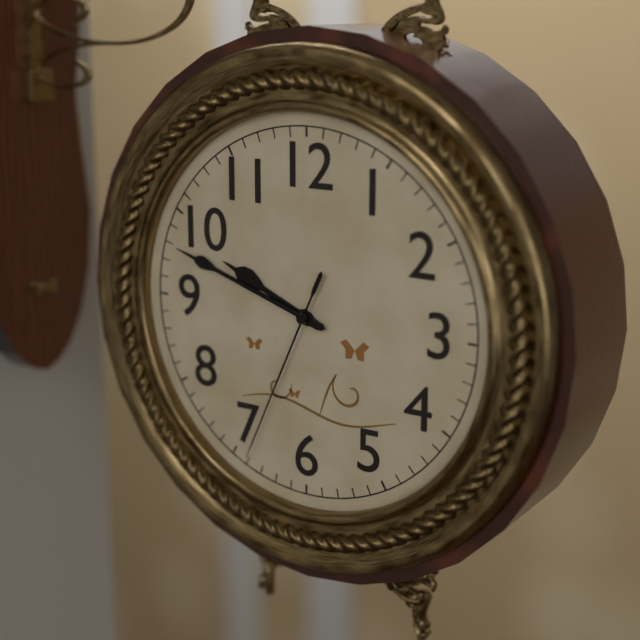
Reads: 9 h 48 min 34 s
